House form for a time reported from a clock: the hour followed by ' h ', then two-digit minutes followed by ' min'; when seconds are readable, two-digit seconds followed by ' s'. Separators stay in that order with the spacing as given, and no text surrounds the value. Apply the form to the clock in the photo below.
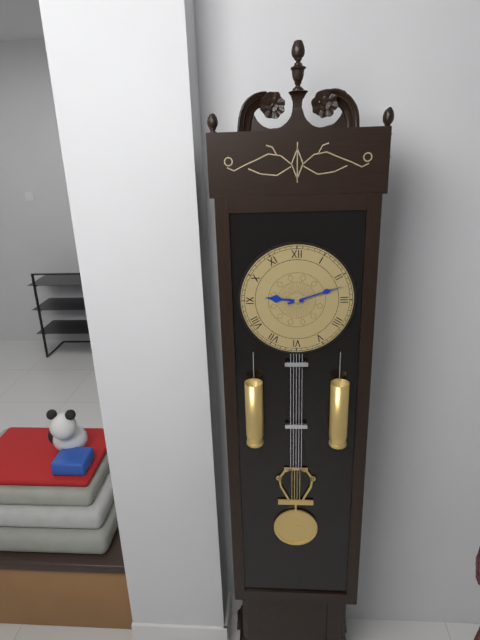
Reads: 9 h 12 min
